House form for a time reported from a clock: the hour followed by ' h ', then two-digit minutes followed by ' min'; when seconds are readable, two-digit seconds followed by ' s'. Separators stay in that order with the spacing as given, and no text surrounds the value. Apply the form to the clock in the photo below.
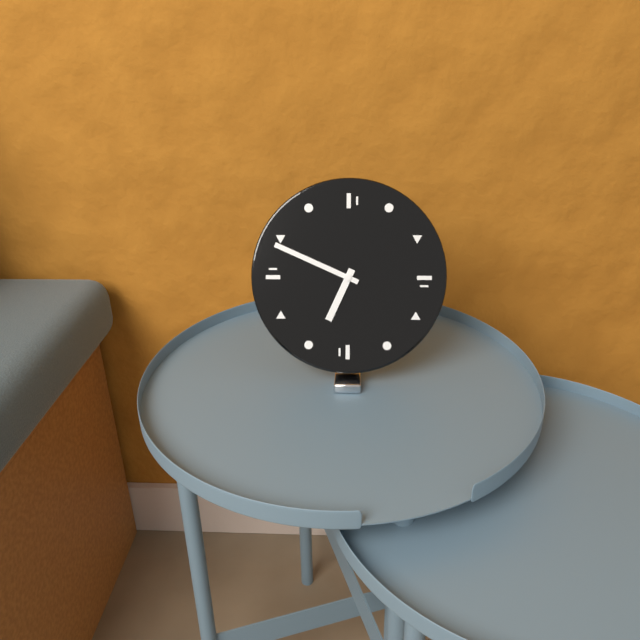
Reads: 6 h 49 min
